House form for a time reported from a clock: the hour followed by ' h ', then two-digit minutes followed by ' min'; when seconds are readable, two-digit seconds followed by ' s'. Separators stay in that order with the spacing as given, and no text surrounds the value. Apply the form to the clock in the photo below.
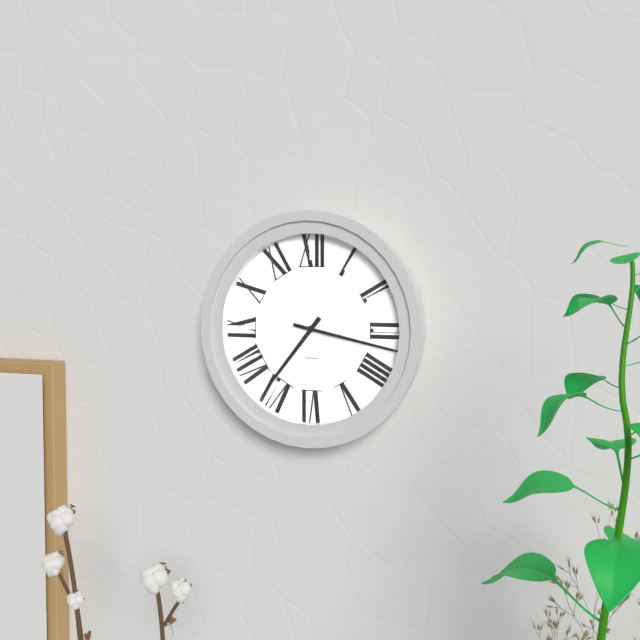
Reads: 7 h 17 min
